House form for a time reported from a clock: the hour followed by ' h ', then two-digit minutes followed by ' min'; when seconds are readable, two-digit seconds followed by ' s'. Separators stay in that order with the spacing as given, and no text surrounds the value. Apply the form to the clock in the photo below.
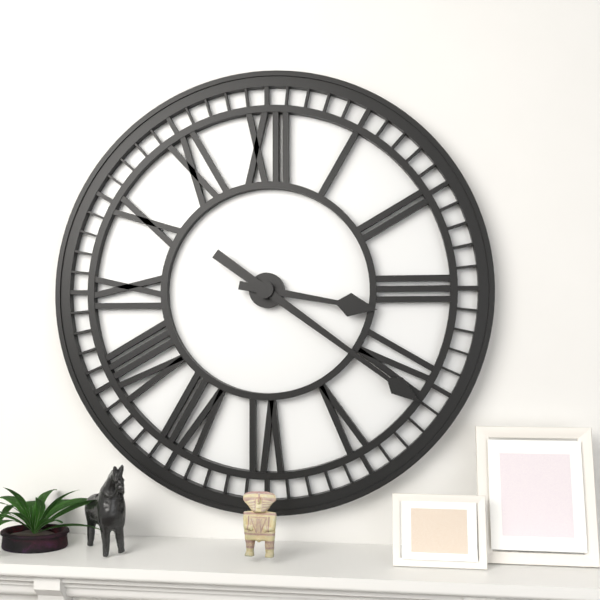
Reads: 3 h 21 min
